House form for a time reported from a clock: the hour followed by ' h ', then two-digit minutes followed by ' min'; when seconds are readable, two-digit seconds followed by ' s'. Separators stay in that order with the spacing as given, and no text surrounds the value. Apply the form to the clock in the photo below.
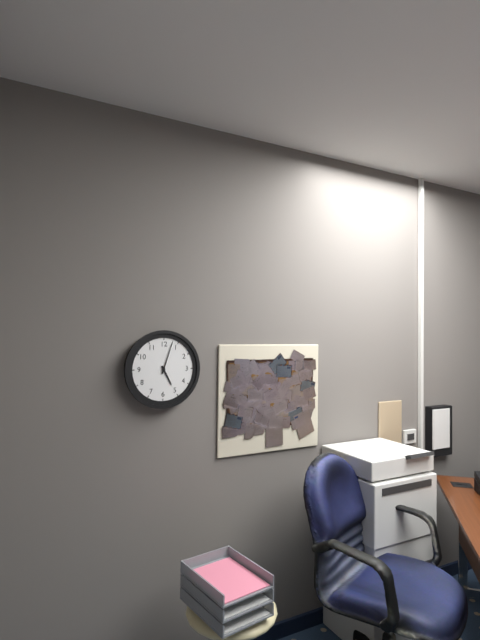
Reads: 5 h 03 min
